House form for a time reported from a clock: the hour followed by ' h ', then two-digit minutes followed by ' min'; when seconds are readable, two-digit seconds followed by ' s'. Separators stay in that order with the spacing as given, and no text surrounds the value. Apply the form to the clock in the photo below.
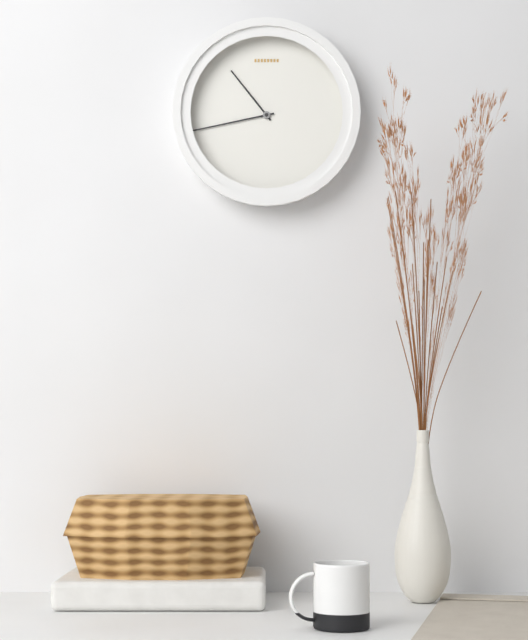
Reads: 10 h 43 min
